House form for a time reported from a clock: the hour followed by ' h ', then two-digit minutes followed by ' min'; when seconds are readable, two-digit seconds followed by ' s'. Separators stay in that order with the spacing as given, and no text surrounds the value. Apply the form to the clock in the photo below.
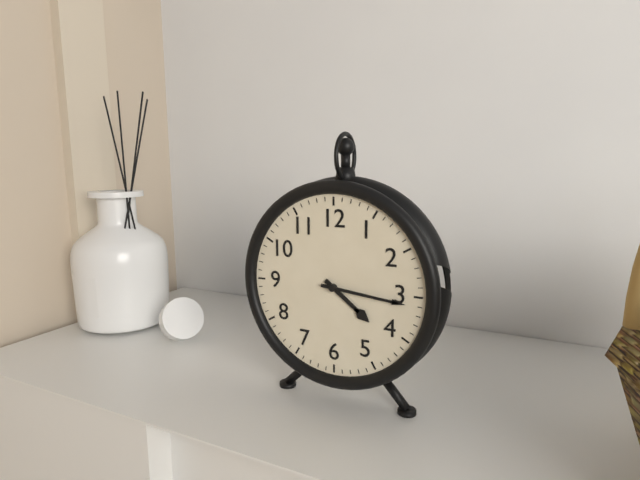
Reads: 4 h 16 min
